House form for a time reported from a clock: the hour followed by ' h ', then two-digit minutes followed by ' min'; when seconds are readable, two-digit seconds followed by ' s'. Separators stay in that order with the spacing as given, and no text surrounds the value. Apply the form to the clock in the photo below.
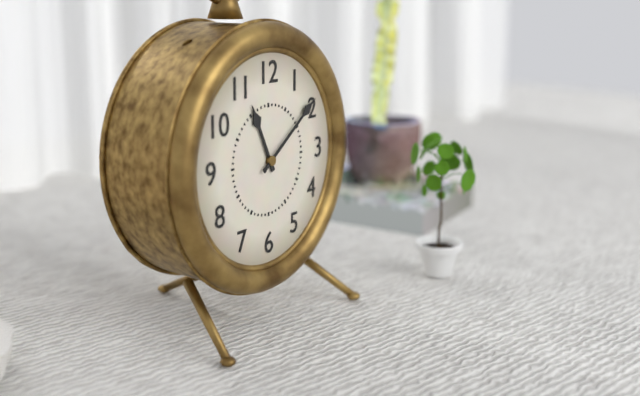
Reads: 11 h 09 min
